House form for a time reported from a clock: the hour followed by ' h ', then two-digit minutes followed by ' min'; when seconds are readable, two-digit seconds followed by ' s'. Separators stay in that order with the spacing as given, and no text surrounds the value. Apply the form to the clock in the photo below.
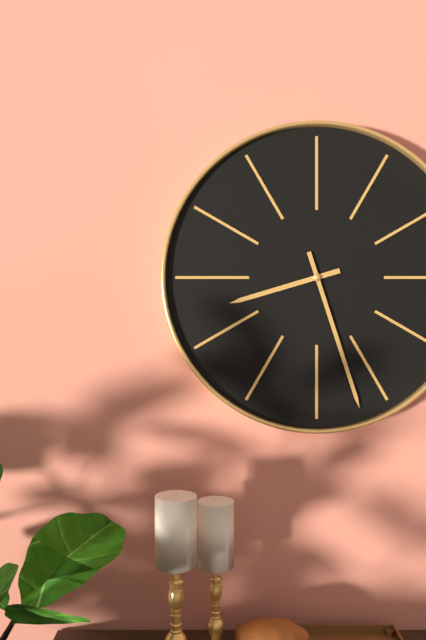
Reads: 8 h 27 min
